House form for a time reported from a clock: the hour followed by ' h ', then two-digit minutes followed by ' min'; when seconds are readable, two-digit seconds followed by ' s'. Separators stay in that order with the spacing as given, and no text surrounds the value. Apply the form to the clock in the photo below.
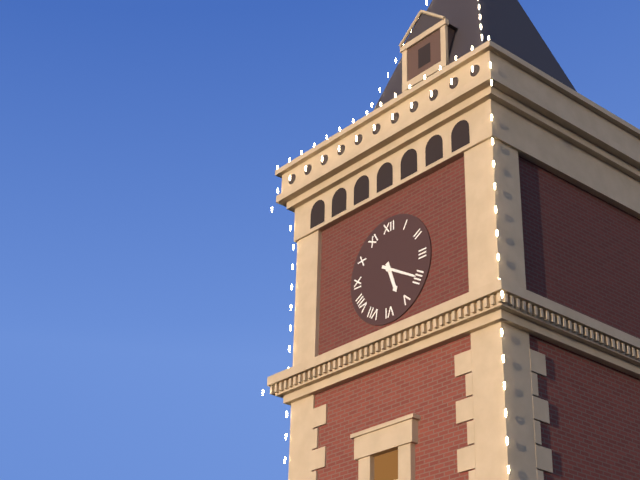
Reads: 5 h 20 min
